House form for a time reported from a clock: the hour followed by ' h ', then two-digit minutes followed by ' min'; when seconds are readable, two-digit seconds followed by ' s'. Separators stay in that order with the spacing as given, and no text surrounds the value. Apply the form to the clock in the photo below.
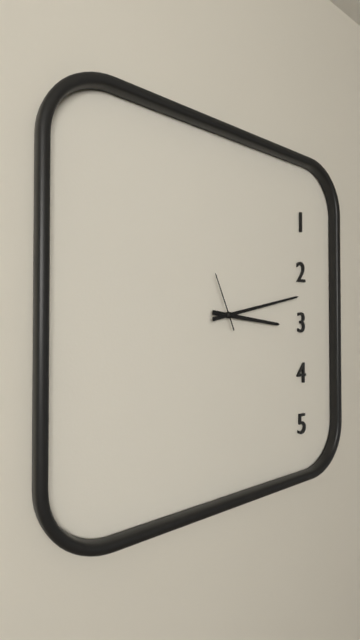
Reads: 3 h 13 min 56 s
